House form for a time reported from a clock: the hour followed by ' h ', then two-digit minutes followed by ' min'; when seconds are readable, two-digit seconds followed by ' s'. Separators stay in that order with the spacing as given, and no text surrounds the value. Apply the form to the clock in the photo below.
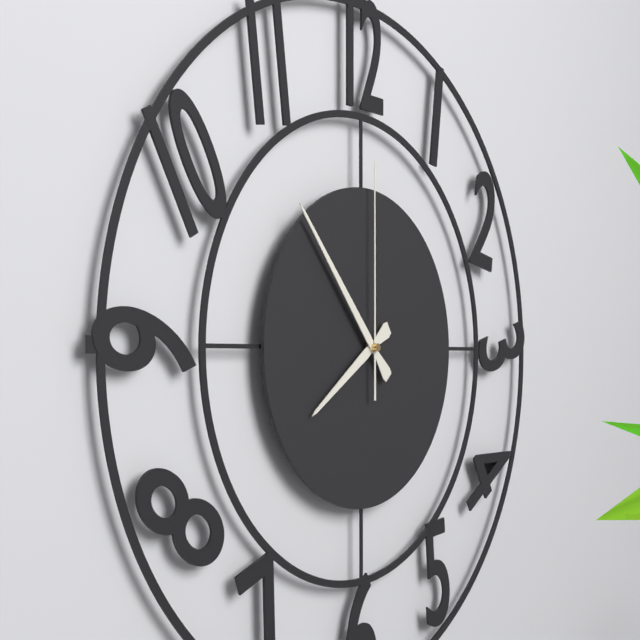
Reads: 7 h 53 min 00 s
